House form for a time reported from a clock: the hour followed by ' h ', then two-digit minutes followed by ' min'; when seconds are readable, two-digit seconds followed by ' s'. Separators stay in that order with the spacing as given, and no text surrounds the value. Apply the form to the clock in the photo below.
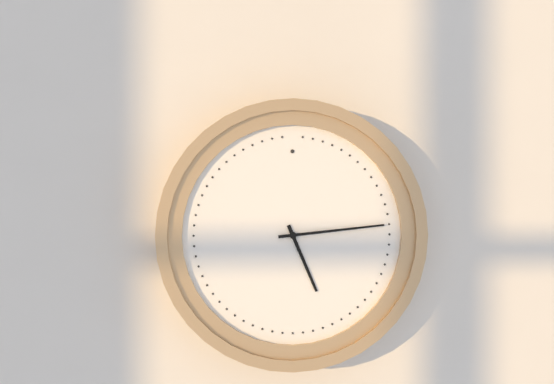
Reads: 5 h 14 min
